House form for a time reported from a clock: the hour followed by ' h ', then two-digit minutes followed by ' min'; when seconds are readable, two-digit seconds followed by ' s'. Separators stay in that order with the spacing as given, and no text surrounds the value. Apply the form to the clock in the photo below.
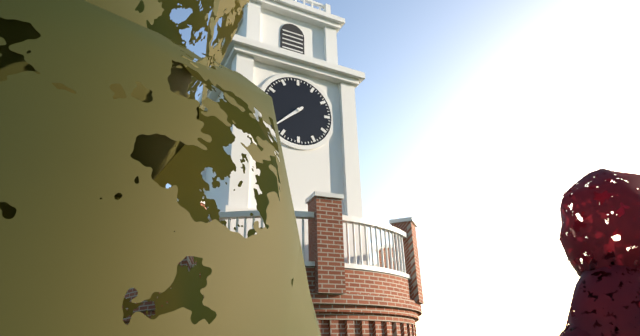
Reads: 7 h 38 min
